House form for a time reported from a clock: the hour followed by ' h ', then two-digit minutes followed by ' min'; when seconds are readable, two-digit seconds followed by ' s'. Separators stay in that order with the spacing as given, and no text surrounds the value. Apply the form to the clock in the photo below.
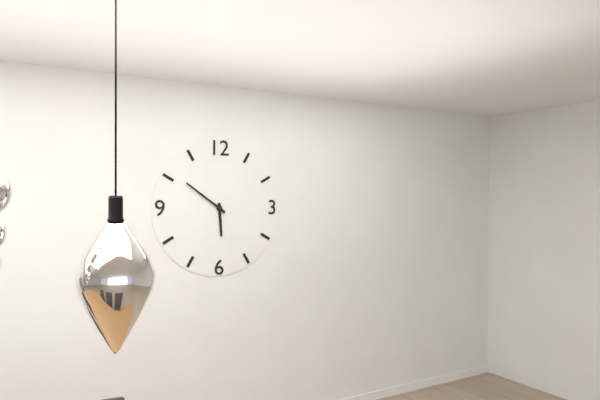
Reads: 5 h 51 min
